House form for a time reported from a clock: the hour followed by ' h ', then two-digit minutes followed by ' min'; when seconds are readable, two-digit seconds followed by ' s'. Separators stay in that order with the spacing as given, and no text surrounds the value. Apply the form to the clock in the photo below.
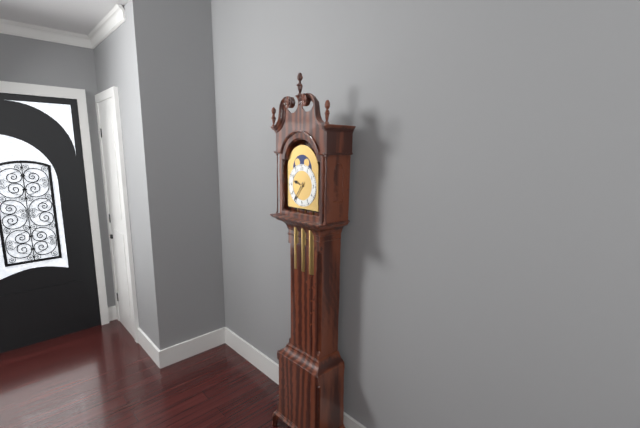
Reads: 9 h 36 min
